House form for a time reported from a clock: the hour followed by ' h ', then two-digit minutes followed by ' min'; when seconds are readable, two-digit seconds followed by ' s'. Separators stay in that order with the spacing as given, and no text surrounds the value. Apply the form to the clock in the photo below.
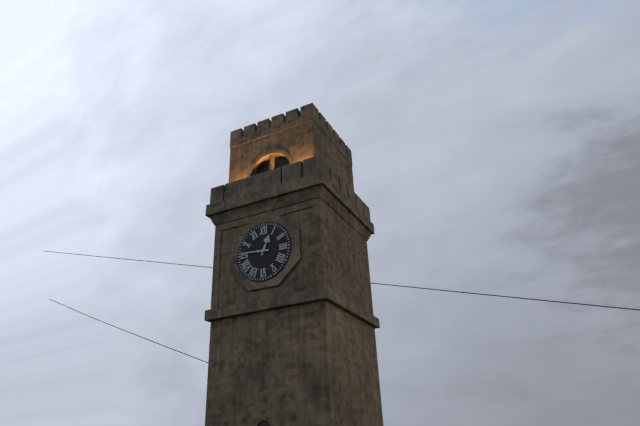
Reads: 12 h 46 min
